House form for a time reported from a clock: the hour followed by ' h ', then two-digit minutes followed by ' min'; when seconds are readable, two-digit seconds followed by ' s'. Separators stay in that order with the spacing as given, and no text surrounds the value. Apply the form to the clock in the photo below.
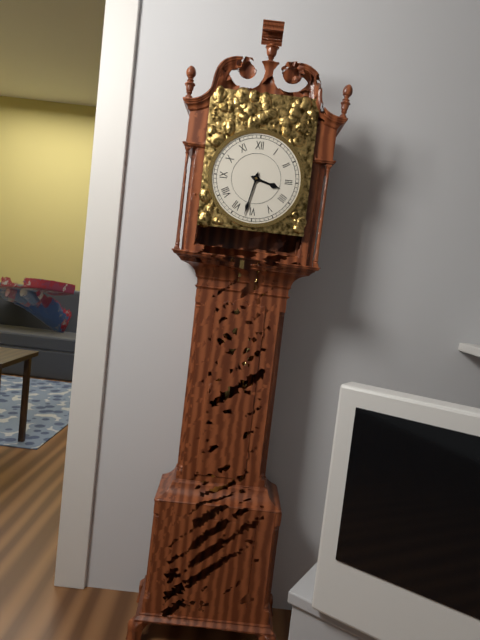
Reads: 3 h 32 min
